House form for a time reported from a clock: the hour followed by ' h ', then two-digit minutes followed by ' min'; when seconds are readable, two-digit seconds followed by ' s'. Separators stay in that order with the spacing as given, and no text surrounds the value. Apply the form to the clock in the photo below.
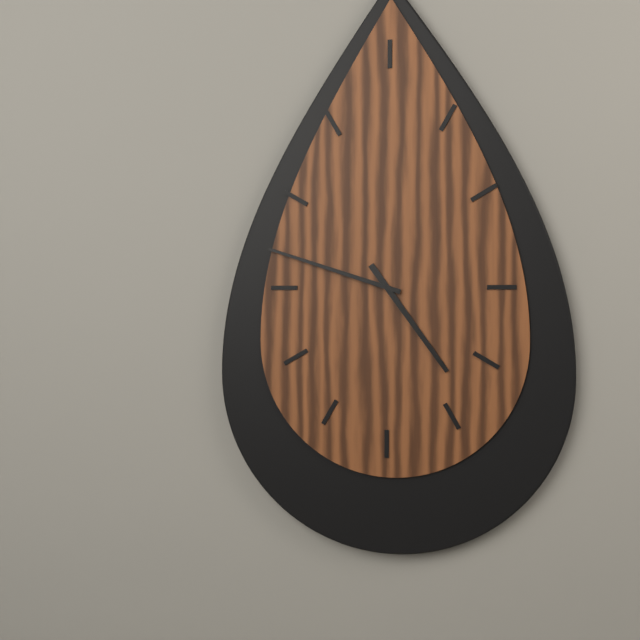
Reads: 4 h 48 min
